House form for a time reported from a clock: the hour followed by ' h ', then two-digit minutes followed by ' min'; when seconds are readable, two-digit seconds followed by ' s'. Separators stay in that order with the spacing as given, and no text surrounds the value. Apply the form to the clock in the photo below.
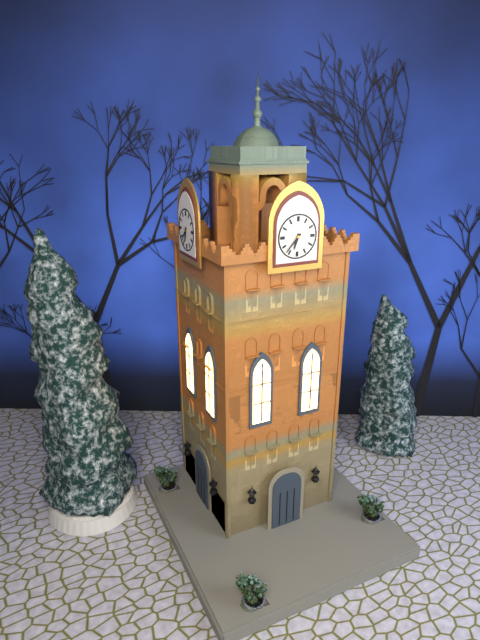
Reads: 6 h 37 min
